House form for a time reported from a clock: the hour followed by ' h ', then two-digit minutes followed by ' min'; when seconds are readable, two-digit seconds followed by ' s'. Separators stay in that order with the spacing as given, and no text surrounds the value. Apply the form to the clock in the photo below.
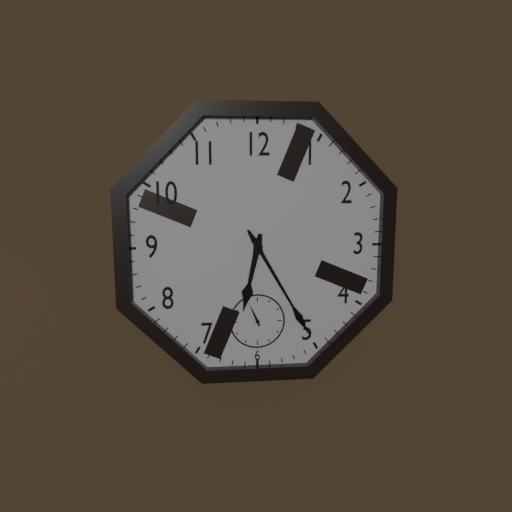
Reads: 6 h 25 min
